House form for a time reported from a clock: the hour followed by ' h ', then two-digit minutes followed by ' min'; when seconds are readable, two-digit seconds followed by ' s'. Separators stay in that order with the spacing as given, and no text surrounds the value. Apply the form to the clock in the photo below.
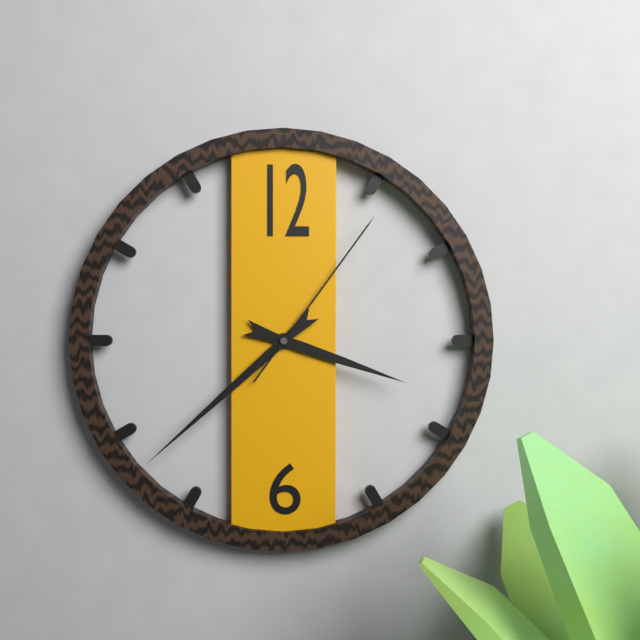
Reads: 3 h 38 min 06 s
